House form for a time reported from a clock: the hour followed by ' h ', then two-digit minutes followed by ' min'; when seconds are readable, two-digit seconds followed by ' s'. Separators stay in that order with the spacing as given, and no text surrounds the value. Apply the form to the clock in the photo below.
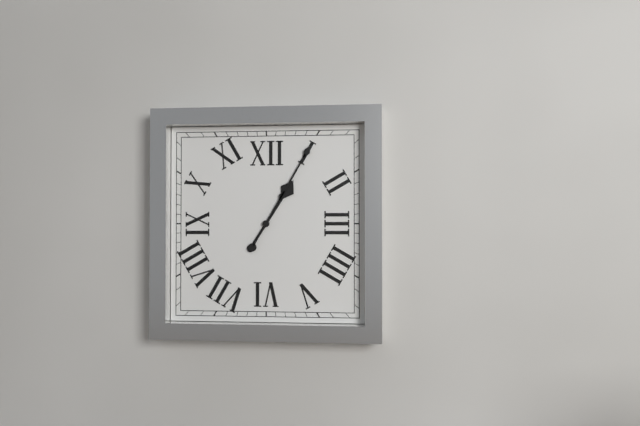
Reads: 1 h 05 min
